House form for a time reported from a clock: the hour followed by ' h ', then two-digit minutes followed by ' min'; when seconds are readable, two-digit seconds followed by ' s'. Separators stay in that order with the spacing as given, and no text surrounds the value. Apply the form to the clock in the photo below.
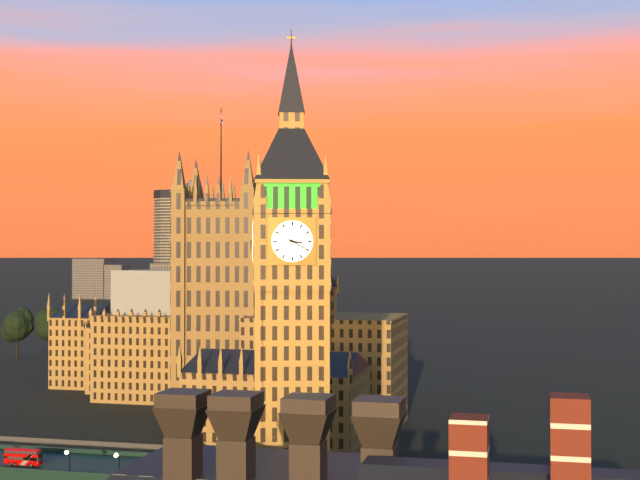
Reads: 3 h 20 min
